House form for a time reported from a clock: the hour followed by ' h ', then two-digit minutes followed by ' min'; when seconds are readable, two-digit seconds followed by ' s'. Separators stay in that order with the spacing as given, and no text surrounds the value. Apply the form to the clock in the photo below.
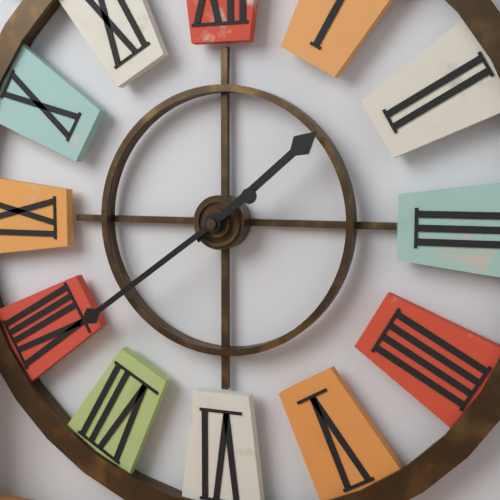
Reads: 1 h 39 min
